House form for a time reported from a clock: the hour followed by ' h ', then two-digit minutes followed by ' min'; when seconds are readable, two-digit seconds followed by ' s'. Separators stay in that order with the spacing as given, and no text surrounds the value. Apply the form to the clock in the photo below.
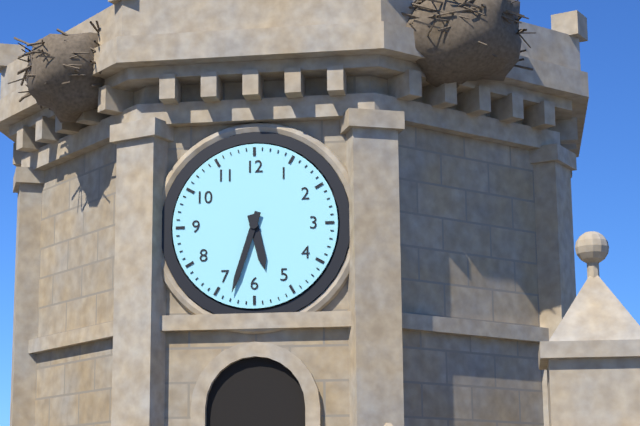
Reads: 5 h 33 min
